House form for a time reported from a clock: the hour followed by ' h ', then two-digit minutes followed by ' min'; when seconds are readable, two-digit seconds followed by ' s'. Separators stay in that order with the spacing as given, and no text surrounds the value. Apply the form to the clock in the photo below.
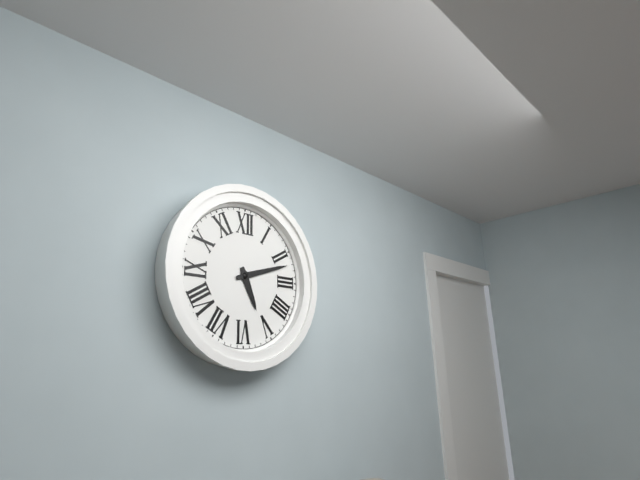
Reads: 5 h 12 min
